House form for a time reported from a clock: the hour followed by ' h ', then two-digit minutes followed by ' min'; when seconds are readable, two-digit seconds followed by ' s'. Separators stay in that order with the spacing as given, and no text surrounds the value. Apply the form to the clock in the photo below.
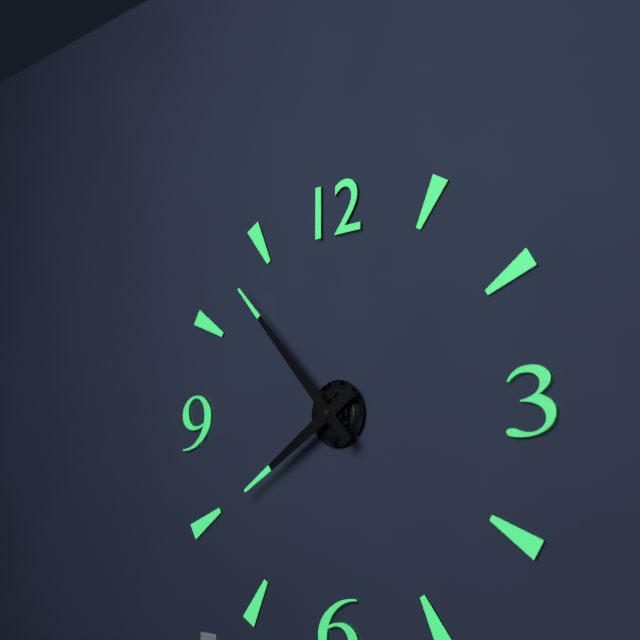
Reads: 7 h 53 min
